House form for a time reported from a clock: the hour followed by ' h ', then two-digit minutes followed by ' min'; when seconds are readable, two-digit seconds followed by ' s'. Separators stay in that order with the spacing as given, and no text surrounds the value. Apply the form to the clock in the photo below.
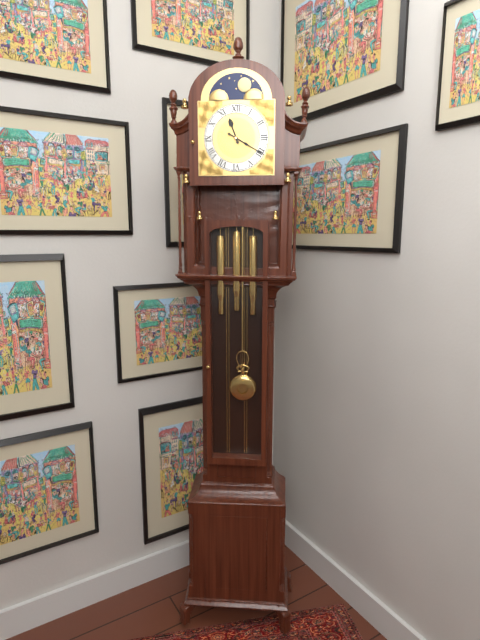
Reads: 11 h 20 min
